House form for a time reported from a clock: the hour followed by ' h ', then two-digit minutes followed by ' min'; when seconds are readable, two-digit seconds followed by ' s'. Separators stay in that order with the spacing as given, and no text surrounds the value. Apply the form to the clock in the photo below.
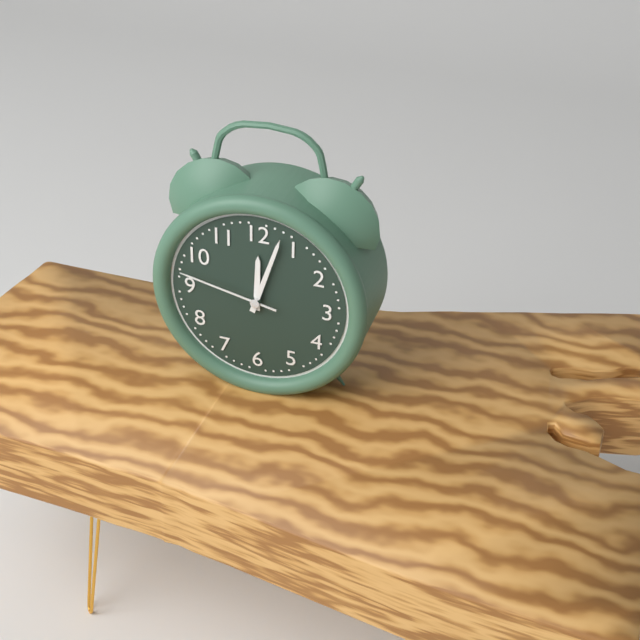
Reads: 12 h 03 min 47 s
